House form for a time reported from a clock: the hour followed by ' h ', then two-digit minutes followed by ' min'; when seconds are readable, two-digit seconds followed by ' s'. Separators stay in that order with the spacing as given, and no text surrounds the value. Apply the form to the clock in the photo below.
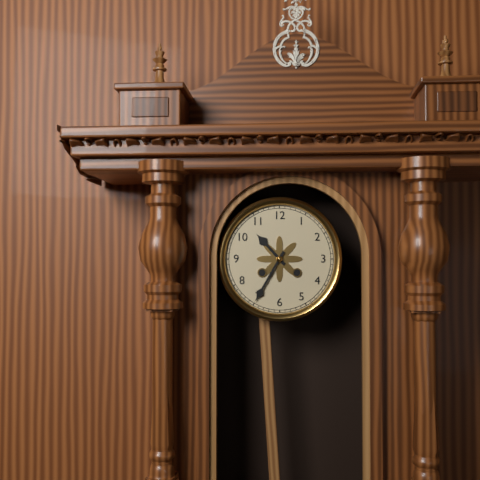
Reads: 10 h 35 min
